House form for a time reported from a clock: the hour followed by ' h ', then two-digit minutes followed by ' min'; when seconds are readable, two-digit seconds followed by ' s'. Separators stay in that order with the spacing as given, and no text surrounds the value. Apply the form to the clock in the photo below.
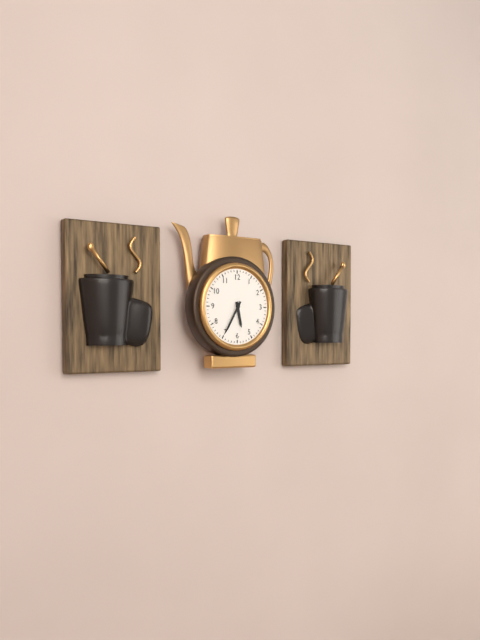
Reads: 5 h 35 min
